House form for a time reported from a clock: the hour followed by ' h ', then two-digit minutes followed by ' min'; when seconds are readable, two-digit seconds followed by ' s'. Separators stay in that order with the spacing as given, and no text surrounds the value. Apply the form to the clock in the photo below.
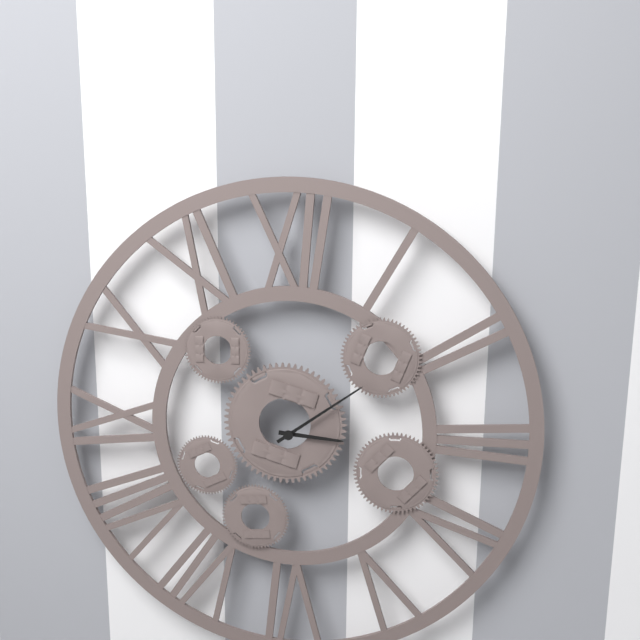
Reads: 3 h 09 min
